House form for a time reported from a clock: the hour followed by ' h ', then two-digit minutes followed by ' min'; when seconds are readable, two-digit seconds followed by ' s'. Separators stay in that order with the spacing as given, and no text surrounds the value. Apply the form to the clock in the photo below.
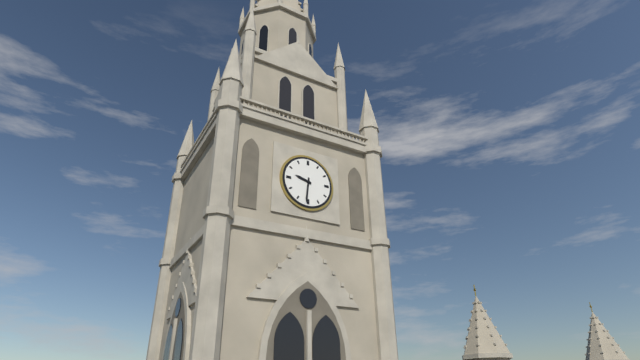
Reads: 9 h 31 min
